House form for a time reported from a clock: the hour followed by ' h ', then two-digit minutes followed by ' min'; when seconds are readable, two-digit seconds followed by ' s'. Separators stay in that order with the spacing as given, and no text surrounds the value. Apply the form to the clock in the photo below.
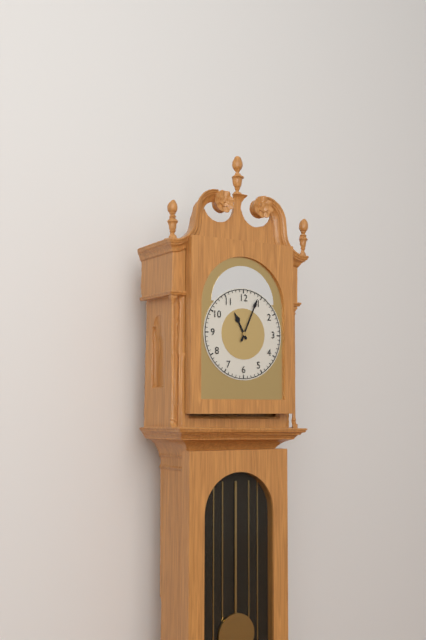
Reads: 11 h 04 min
